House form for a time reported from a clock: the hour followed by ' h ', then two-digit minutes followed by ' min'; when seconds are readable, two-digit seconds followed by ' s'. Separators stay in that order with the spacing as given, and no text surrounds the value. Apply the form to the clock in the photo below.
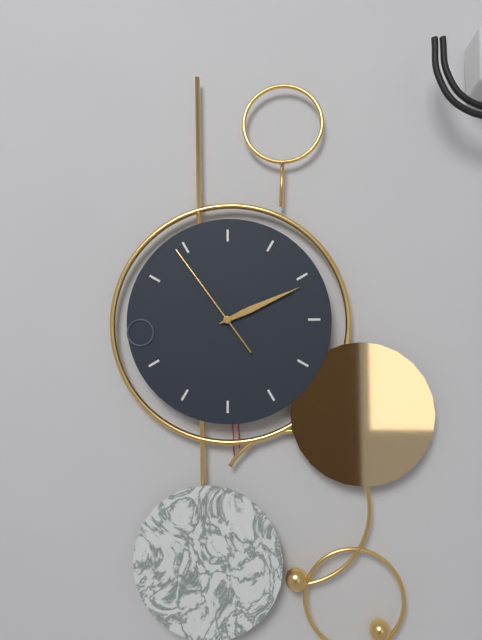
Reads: 2 h 11 min 54 s
